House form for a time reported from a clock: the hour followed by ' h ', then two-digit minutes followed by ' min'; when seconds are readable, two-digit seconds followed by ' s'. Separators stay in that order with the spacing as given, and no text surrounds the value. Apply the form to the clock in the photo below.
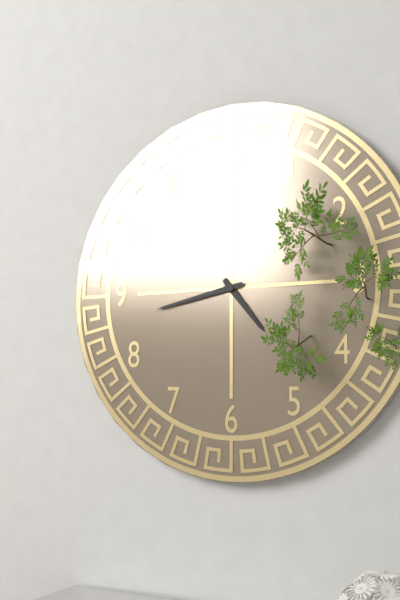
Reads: 4 h 43 min
